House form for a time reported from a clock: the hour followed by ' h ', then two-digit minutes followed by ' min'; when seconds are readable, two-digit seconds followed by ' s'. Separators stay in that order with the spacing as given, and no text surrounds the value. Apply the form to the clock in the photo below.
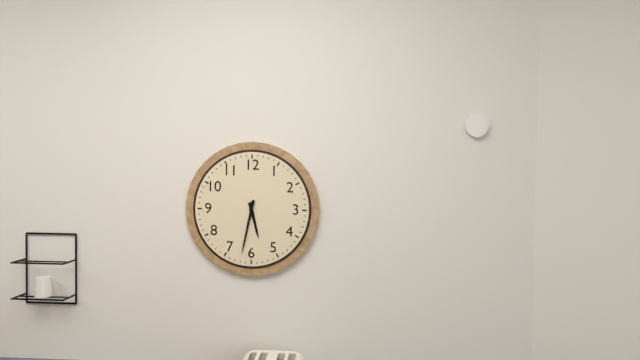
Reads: 5 h 32 min
